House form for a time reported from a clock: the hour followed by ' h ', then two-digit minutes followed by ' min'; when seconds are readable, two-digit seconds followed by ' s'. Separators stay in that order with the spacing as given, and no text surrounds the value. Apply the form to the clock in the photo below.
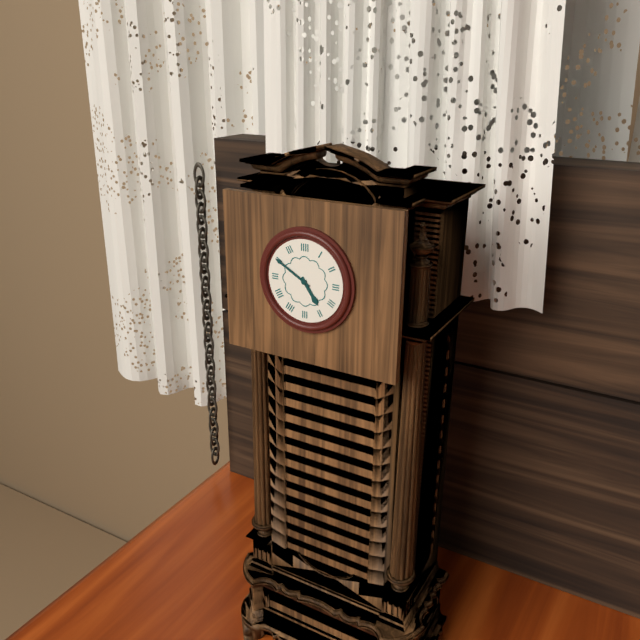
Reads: 4 h 50 min
